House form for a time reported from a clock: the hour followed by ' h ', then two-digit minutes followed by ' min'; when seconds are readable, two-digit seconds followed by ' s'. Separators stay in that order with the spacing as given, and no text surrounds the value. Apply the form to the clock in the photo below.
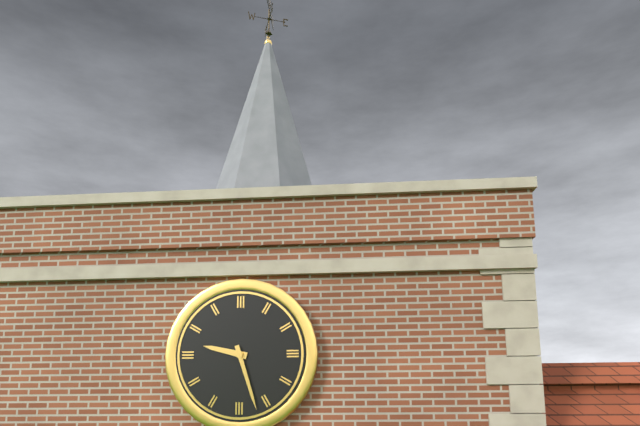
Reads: 9 h 27 min
